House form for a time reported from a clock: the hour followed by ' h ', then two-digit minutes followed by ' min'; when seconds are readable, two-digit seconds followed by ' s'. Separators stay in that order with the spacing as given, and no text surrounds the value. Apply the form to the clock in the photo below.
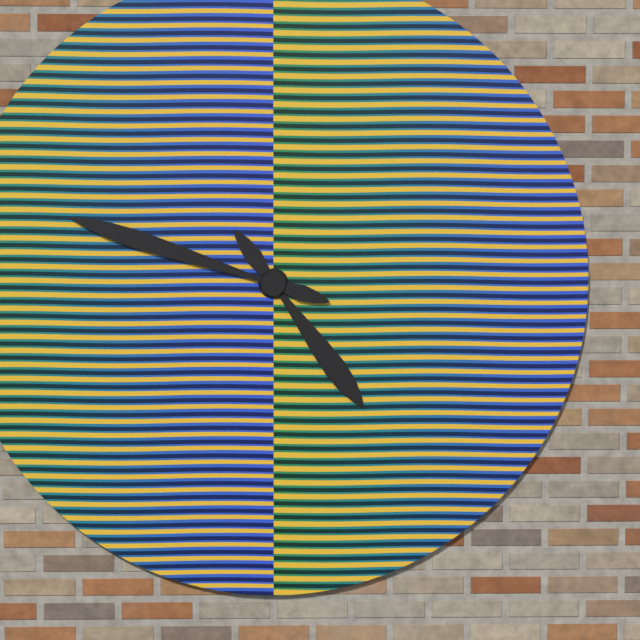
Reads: 4 h 48 min
